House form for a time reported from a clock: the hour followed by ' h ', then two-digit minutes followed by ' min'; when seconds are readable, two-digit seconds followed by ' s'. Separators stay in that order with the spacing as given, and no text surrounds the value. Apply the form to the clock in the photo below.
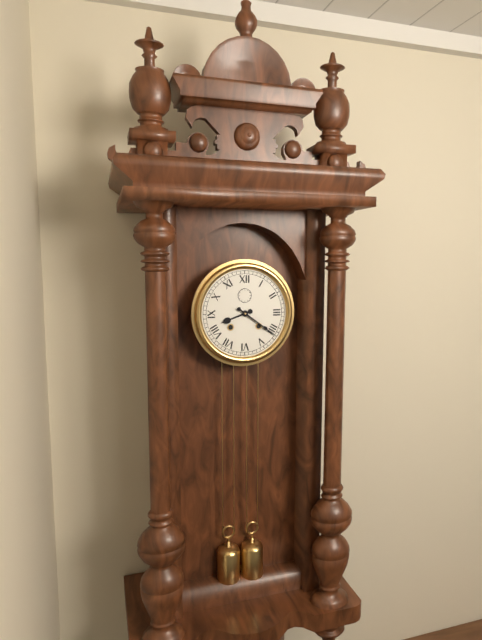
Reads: 8 h 21 min
